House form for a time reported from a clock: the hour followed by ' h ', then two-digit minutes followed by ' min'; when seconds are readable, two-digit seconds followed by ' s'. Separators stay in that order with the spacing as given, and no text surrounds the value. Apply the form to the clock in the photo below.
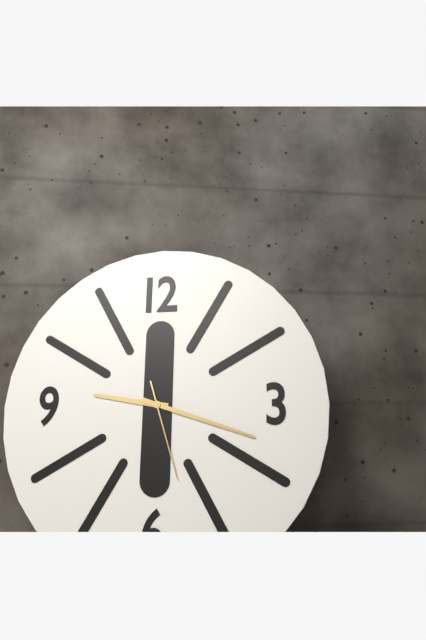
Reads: 9 h 18 min 27 s
